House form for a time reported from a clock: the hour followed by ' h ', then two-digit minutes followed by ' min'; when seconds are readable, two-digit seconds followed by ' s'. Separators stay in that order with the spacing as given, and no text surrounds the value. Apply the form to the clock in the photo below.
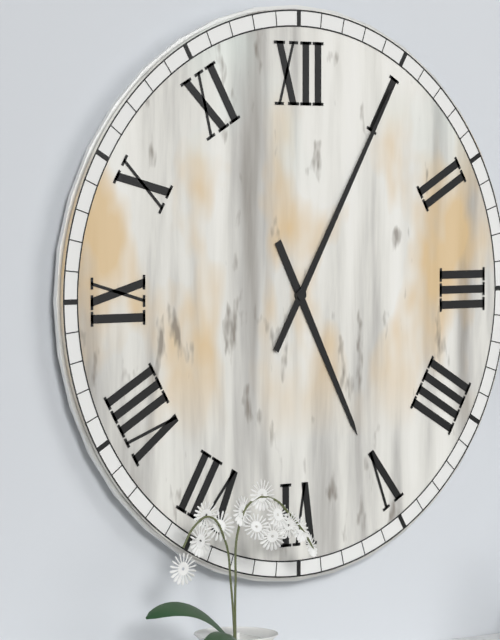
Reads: 5 h 05 min
